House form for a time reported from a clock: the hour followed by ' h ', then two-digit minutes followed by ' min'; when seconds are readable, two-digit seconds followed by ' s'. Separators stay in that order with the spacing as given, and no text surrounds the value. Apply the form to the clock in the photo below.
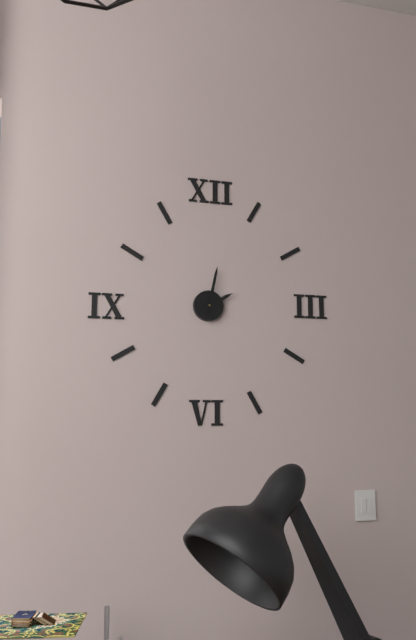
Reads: 2 h 02 min
